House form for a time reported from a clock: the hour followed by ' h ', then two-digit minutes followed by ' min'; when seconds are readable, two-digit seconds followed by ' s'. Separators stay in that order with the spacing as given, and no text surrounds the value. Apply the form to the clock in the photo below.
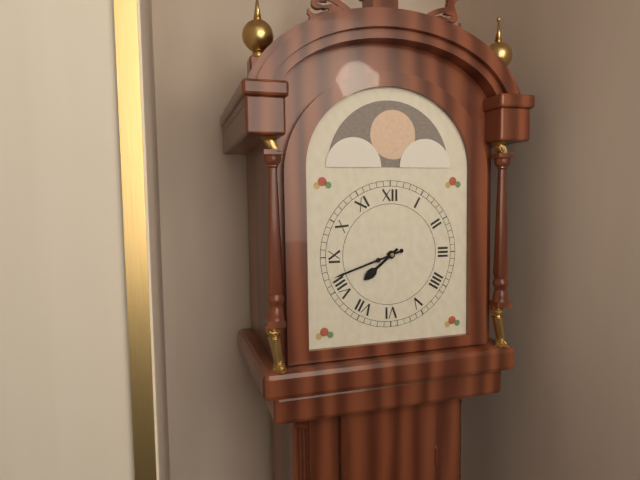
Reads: 7 h 42 min
